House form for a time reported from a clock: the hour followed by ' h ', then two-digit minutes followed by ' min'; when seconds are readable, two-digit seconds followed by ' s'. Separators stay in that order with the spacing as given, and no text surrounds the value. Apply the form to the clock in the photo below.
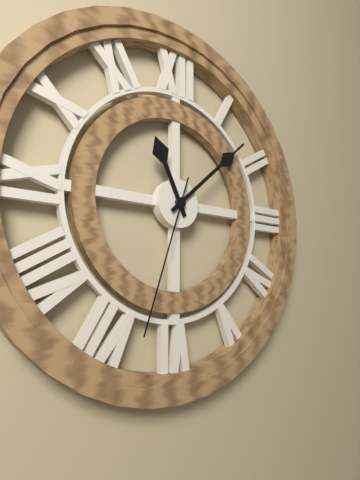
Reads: 11 h 08 min 33 s
